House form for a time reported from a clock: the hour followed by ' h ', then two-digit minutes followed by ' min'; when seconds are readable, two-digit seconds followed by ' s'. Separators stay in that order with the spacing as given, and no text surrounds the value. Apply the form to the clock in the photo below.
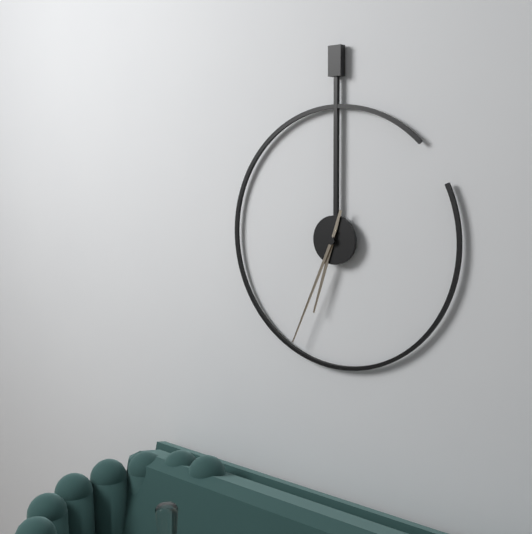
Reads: 6 h 34 min
